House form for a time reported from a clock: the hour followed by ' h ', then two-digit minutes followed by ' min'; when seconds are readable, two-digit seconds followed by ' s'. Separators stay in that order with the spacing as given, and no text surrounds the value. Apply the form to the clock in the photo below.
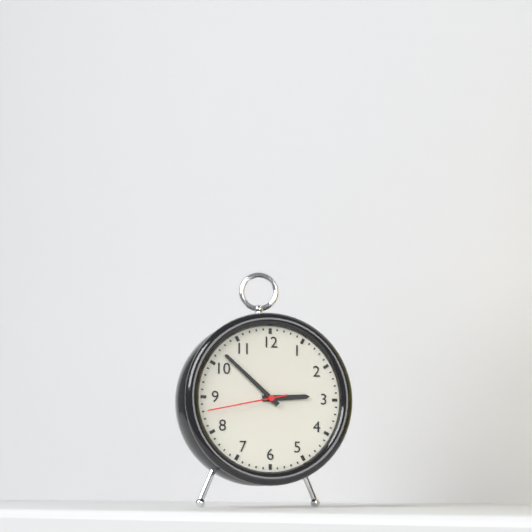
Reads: 2 h 52 min 43 s
